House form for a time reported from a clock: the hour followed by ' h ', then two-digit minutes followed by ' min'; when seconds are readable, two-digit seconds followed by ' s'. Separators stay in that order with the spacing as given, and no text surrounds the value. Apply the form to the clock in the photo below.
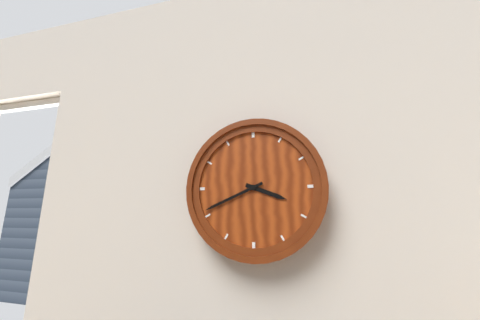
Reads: 3 h 41 min
